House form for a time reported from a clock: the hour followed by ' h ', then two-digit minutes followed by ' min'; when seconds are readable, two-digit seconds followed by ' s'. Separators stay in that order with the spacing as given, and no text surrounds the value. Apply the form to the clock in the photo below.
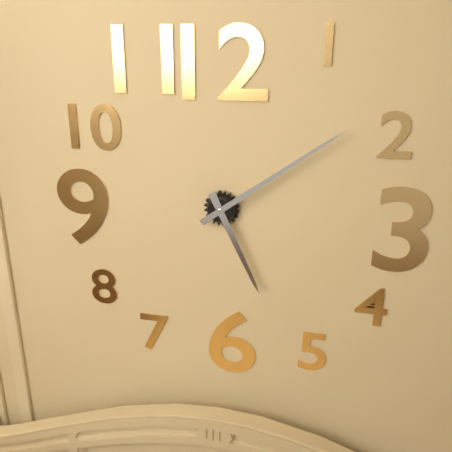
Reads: 5 h 09 min
